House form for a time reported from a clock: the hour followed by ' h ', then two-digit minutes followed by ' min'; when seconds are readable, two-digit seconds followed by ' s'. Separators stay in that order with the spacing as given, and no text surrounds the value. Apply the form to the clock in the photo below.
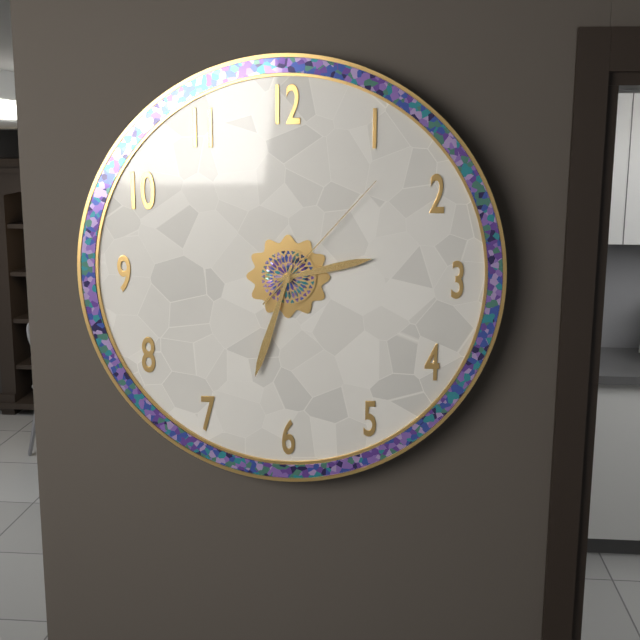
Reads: 2 h 33 min 07 s
